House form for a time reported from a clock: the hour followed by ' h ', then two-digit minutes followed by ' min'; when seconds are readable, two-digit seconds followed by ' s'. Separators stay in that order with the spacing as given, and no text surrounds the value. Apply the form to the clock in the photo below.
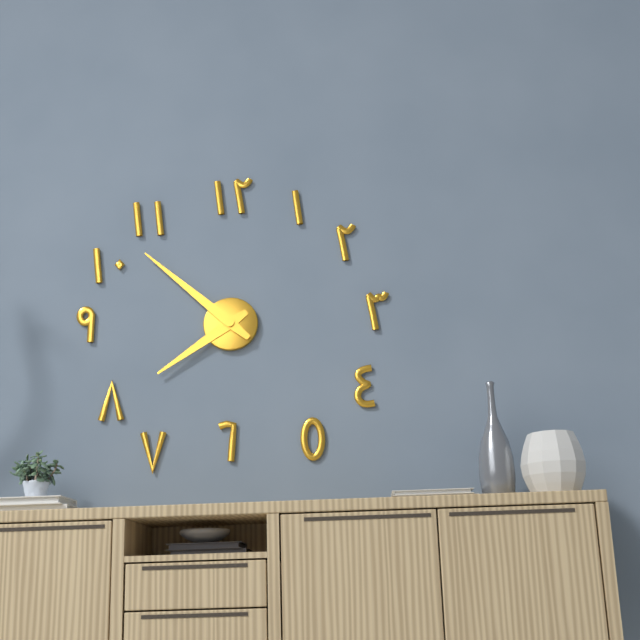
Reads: 7 h 52 min
